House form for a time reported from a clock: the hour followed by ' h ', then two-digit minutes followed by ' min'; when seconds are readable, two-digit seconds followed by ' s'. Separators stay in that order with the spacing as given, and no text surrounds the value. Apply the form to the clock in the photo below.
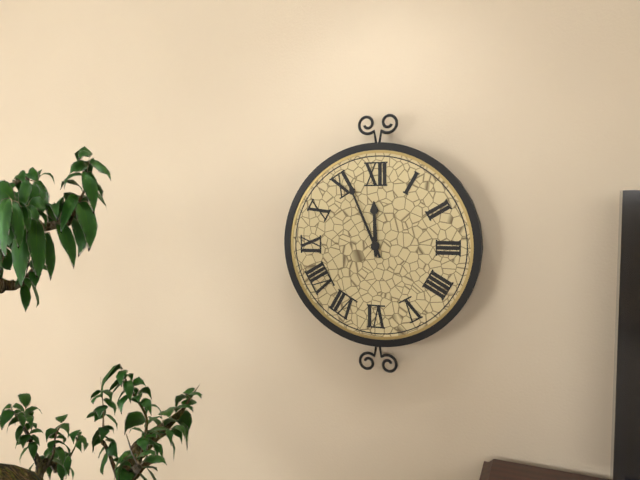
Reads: 11 h 56 min
